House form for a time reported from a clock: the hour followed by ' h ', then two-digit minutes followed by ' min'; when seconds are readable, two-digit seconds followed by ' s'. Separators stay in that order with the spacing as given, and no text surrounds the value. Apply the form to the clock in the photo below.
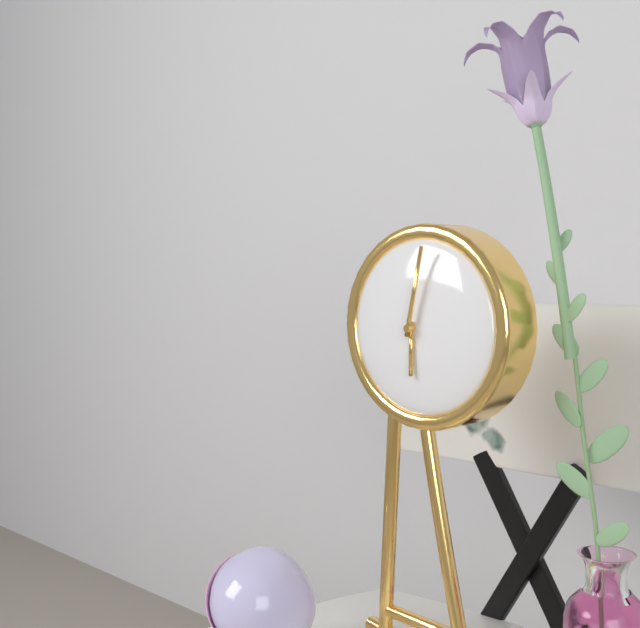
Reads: 6 h 02 min
